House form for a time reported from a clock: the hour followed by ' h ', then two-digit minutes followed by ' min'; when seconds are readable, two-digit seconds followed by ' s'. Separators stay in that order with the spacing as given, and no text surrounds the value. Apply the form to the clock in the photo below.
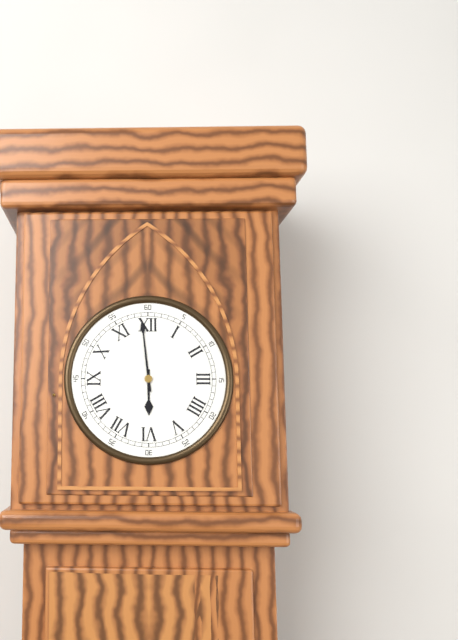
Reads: 5 h 59 min
